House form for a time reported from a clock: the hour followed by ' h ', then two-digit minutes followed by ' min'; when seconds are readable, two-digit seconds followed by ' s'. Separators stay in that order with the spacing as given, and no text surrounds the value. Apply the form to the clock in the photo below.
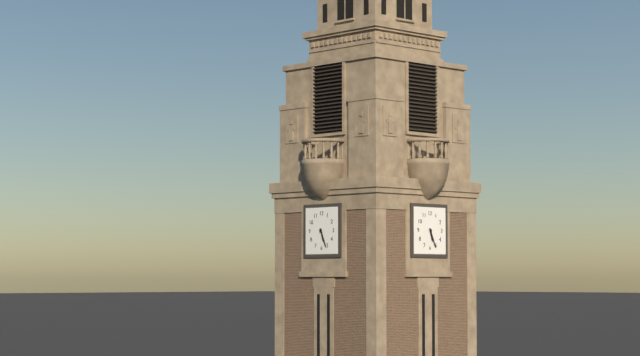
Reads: 5 h 26 min
